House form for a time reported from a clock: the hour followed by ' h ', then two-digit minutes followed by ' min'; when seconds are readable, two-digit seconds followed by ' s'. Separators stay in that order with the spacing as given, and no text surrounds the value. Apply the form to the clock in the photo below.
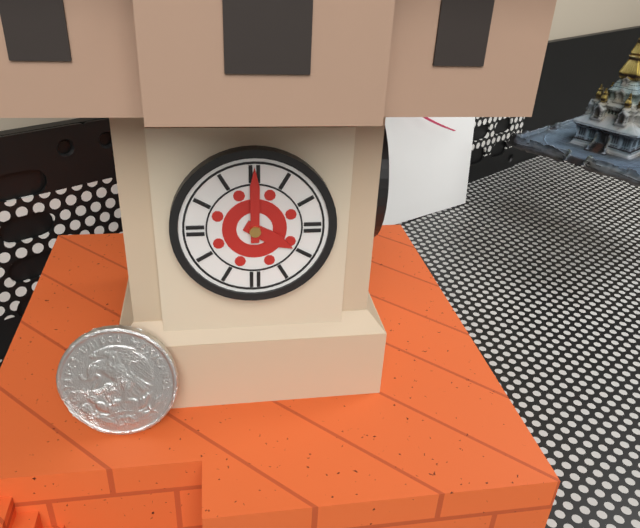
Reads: 4 h 00 min
